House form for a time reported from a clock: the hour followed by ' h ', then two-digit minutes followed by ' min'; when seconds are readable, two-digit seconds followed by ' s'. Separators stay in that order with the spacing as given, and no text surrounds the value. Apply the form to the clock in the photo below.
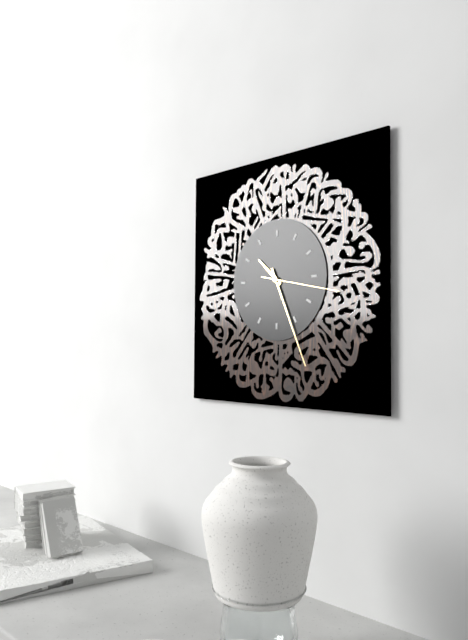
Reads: 10 h 26 min 17 s
